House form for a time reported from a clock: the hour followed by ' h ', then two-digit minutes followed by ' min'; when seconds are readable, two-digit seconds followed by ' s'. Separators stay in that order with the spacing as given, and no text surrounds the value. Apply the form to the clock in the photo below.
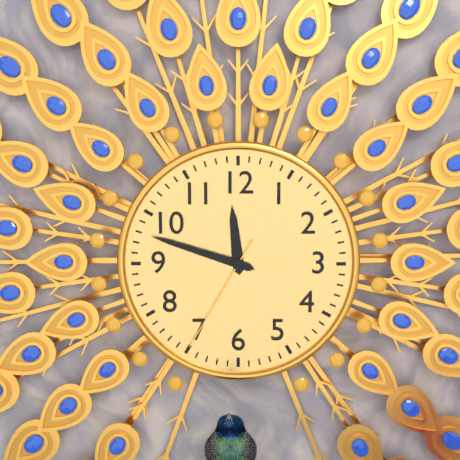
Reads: 11 h 48 min 35 s
